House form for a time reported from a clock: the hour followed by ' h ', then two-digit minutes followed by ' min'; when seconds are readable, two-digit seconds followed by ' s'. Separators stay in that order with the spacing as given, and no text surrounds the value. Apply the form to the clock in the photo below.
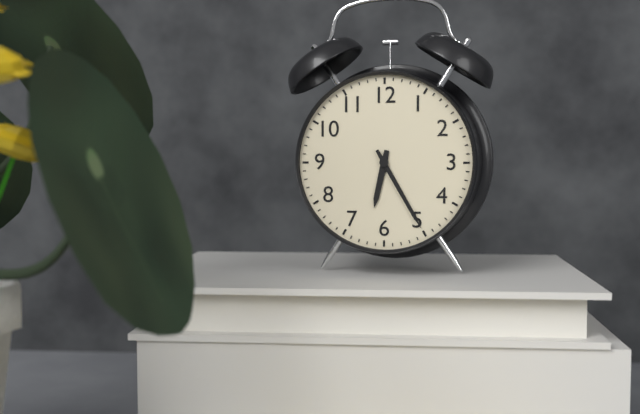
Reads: 6 h 25 min
